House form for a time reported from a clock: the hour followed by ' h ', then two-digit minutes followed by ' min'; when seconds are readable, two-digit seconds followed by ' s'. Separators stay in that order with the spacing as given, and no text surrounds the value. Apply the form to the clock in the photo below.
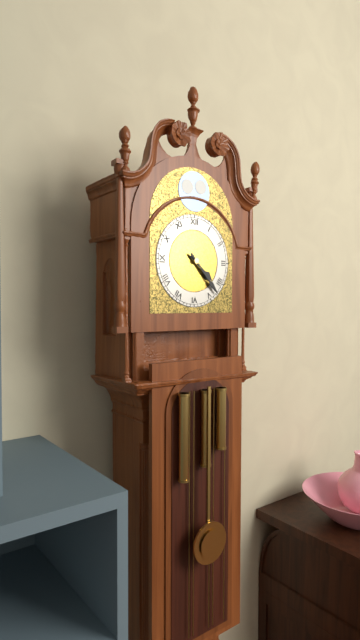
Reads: 4 h 23 min
